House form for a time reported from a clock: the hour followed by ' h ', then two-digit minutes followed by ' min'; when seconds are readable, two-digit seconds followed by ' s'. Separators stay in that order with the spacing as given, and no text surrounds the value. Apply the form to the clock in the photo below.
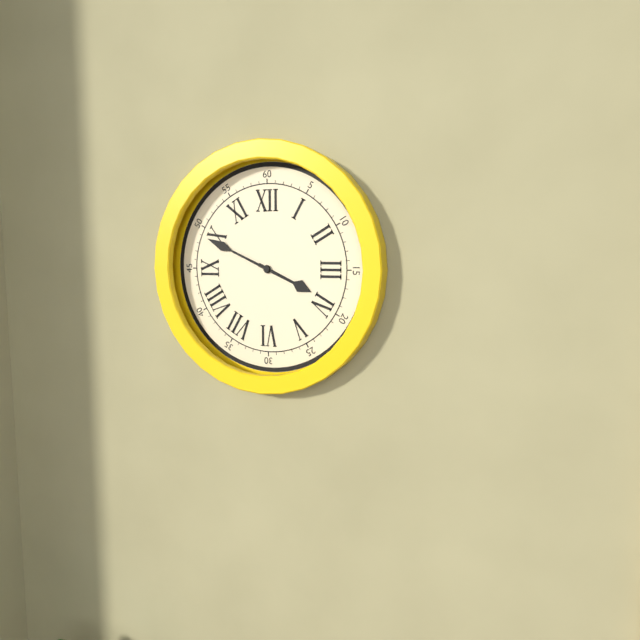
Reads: 3 h 49 min
